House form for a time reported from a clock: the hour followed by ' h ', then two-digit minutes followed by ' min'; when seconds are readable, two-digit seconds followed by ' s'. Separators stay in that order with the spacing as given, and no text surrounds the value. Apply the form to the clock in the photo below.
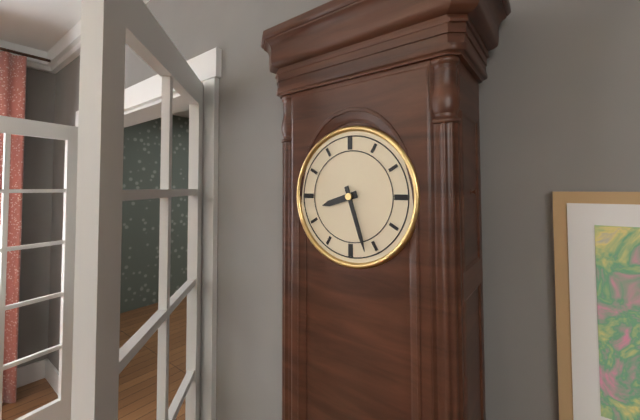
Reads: 8 h 27 min
